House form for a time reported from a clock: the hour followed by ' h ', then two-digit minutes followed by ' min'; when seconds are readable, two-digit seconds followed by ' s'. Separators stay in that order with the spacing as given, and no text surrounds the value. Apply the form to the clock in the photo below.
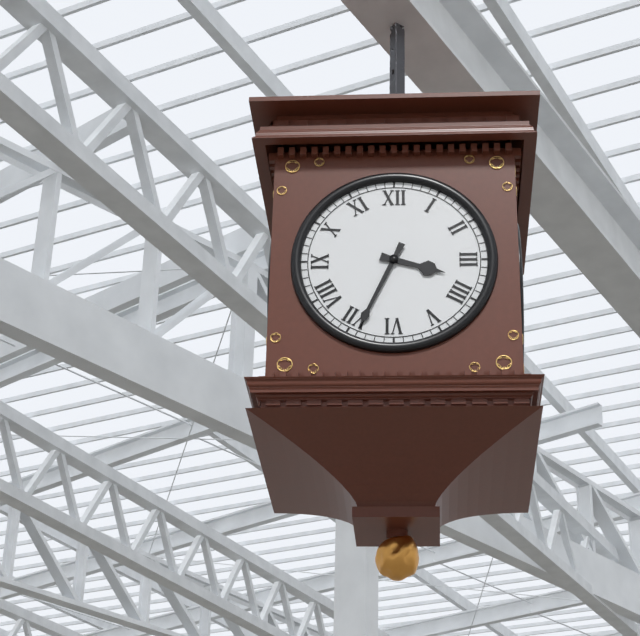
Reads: 3 h 34 min
